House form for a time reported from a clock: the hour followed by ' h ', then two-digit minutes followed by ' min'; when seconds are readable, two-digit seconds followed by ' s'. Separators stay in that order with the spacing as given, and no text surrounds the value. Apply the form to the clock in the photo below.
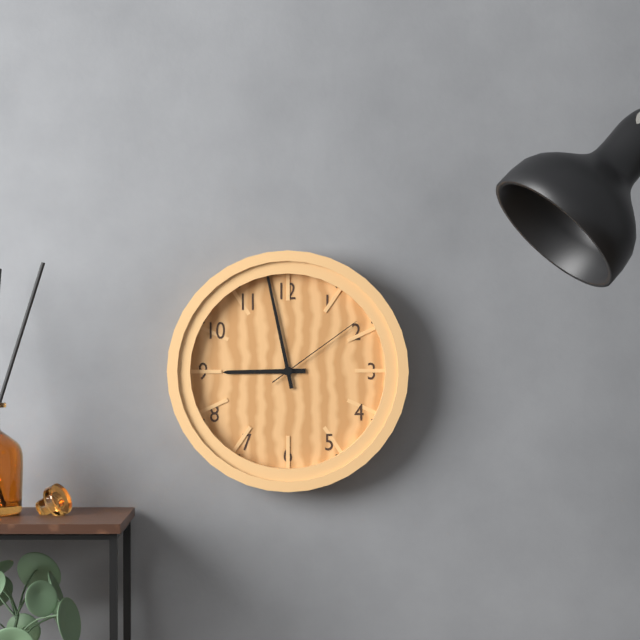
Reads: 8 h 58 min 09 s
